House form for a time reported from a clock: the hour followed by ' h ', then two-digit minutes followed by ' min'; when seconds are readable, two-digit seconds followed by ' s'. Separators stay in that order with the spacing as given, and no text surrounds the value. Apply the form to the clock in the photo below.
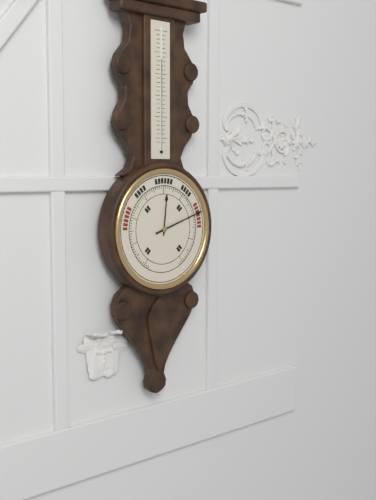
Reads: 12 h 12 min
